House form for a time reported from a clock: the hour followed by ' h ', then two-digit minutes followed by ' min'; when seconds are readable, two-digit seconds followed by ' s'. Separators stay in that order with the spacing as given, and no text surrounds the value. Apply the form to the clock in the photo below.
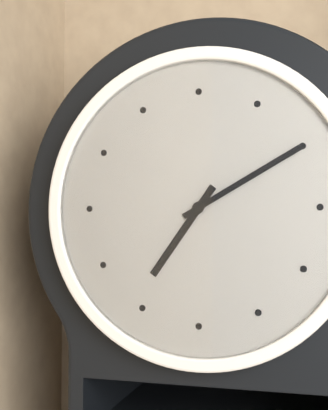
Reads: 7 h 10 min
